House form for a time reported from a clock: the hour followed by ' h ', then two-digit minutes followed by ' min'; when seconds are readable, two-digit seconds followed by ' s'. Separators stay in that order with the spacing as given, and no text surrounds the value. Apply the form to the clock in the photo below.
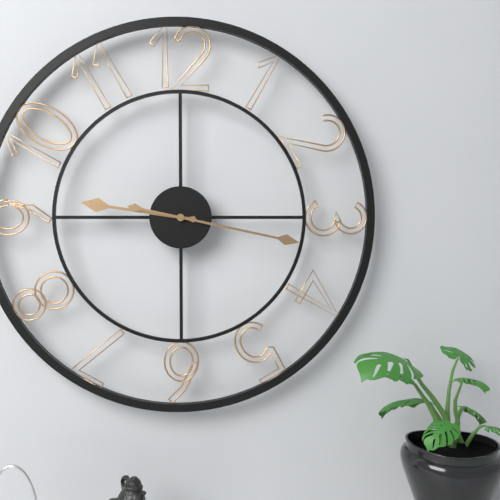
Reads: 9 h 17 min
